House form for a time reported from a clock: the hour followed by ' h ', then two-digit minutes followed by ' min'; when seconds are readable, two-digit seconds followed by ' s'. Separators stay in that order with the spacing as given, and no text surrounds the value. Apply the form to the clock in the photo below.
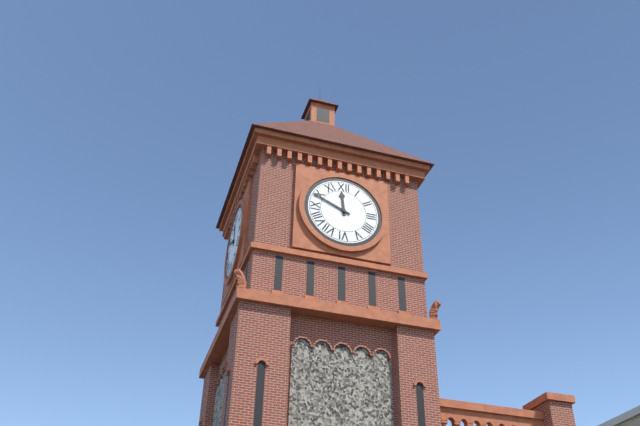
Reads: 11 h 49 min
